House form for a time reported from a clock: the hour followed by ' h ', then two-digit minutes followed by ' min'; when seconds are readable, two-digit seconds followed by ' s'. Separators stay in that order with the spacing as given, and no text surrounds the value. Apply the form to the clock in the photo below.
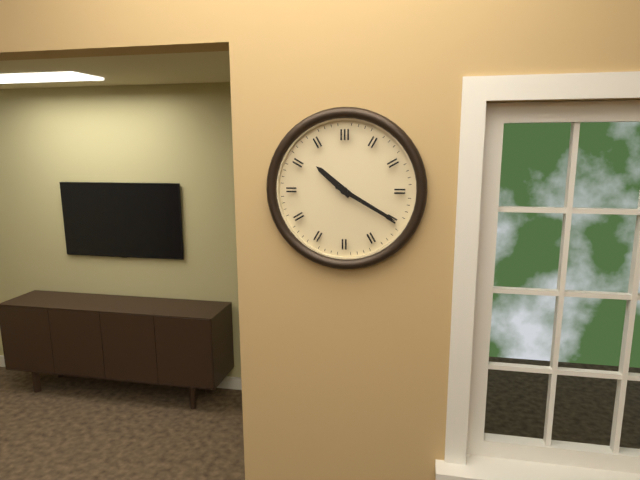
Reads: 10 h 20 min
